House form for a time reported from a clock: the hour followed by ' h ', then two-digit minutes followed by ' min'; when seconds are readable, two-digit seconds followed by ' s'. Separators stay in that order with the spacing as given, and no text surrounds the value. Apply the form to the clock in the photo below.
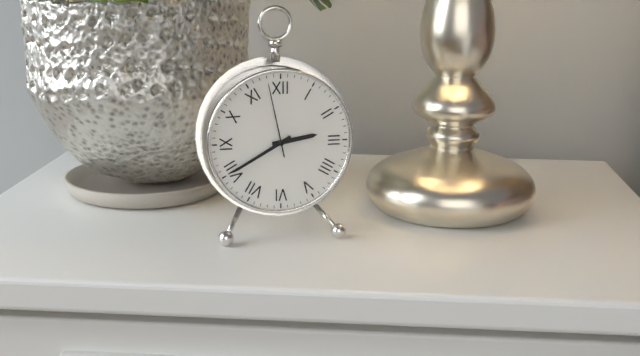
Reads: 2 h 40 min 58 s
